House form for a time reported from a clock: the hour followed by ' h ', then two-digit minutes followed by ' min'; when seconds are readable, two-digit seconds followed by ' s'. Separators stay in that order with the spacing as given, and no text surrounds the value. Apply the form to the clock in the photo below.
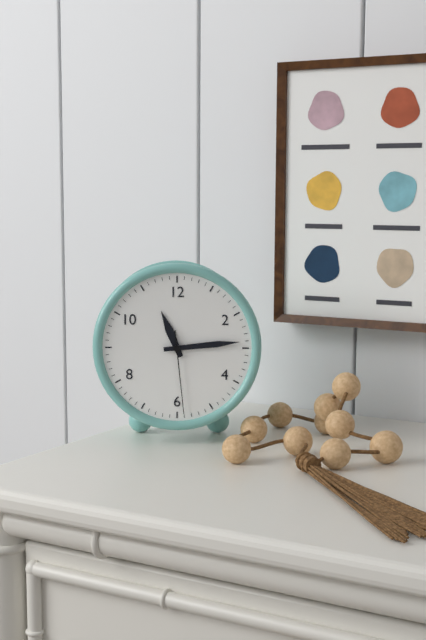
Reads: 11 h 14 min 29 s
